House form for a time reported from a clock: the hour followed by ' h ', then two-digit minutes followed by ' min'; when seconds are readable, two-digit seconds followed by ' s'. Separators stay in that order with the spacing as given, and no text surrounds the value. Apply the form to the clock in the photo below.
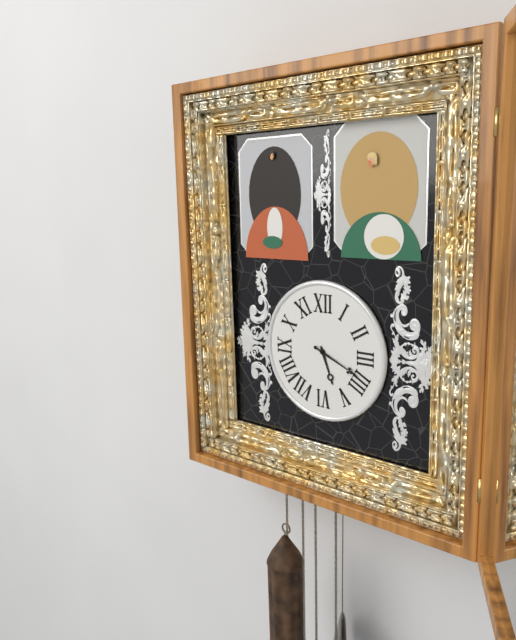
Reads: 5 h 19 min
